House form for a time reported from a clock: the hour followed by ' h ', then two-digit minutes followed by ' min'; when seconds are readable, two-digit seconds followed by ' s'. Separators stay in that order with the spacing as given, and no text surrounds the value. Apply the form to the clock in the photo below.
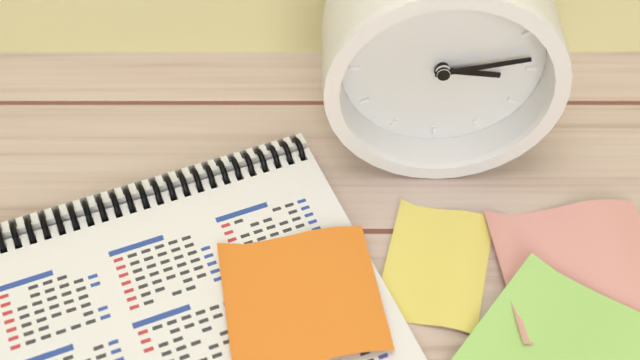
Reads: 3 h 13 min
